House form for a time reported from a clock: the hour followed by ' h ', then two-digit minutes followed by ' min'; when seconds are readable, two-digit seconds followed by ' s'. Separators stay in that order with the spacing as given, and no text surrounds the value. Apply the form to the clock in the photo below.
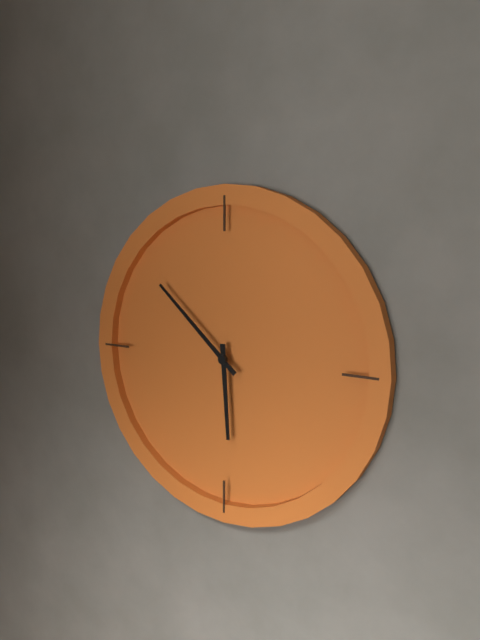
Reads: 5 h 52 min
